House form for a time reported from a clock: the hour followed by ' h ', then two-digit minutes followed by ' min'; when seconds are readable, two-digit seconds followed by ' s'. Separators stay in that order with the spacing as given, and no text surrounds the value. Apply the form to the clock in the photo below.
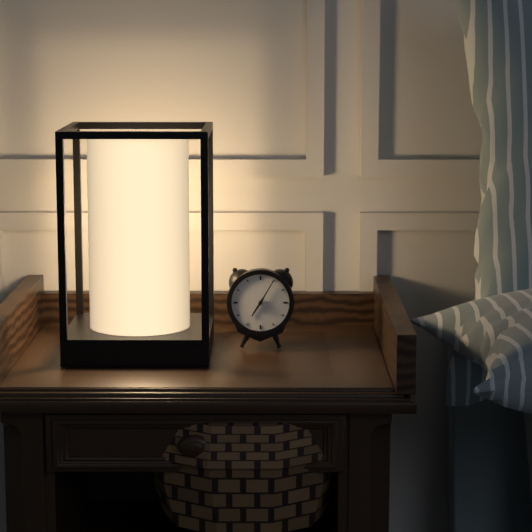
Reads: 7 h 05 min
